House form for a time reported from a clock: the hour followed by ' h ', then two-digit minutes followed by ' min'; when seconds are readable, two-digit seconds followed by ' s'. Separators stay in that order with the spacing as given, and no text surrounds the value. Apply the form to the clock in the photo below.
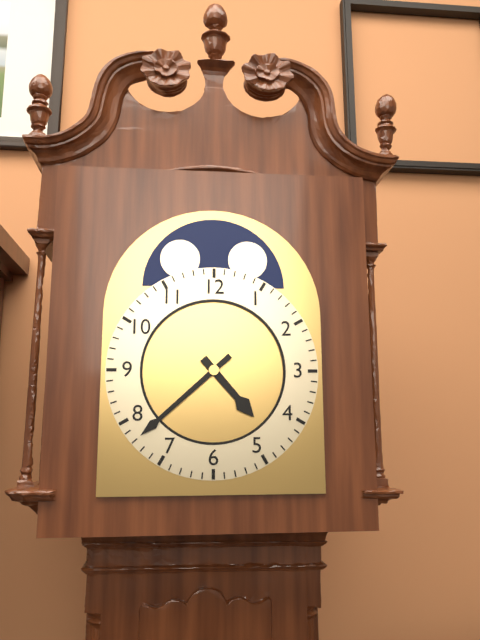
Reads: 4 h 38 min
